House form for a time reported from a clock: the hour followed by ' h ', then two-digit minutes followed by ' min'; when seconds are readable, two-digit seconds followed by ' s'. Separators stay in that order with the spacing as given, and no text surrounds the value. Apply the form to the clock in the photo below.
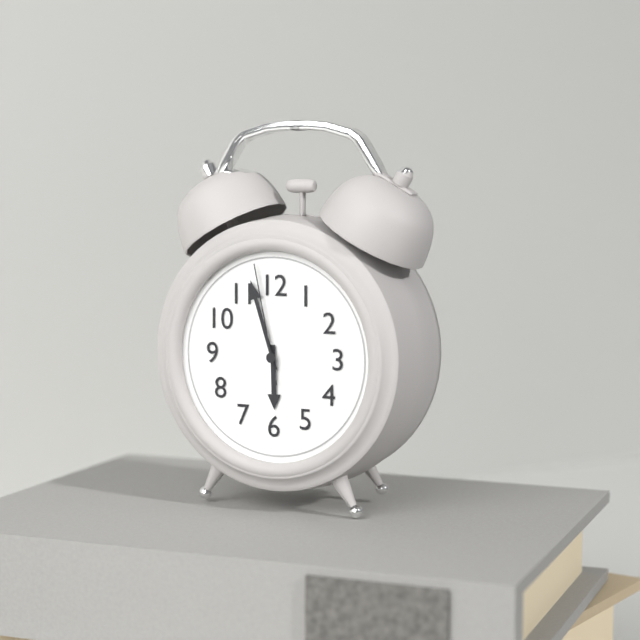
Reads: 5 h 57 min 58 s
